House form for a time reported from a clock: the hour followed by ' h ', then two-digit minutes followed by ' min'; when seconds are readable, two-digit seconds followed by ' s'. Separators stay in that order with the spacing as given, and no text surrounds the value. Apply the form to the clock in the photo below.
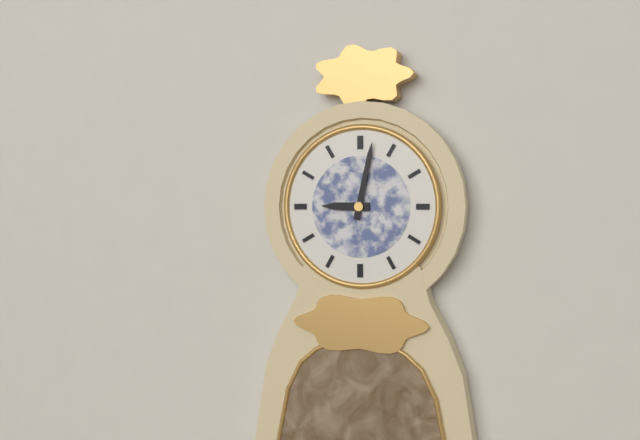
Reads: 9 h 02 min
